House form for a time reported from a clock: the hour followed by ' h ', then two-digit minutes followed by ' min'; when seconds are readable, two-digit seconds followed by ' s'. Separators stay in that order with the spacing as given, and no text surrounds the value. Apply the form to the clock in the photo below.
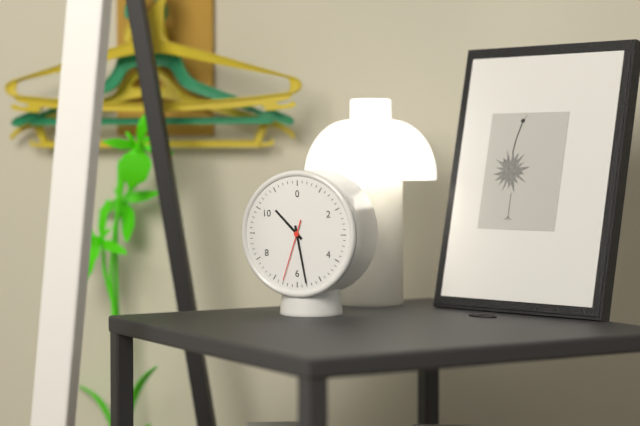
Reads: 10 h 28 min 33 s
